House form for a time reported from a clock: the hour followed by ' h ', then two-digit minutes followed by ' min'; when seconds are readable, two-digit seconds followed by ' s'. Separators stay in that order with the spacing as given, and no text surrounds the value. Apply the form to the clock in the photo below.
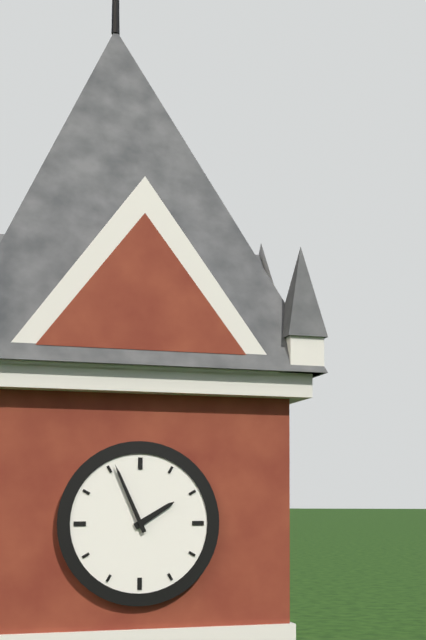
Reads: 1 h 56 min
